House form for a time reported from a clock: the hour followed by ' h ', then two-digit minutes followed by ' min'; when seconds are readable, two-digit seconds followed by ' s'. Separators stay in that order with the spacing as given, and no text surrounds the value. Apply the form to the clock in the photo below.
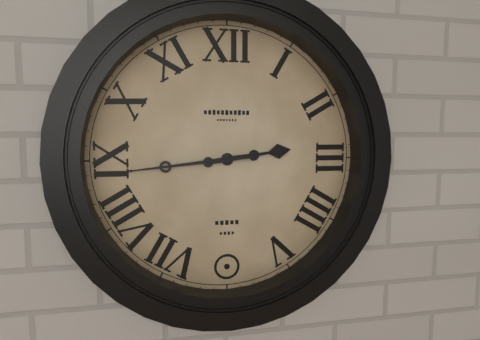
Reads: 2 h 44 min
